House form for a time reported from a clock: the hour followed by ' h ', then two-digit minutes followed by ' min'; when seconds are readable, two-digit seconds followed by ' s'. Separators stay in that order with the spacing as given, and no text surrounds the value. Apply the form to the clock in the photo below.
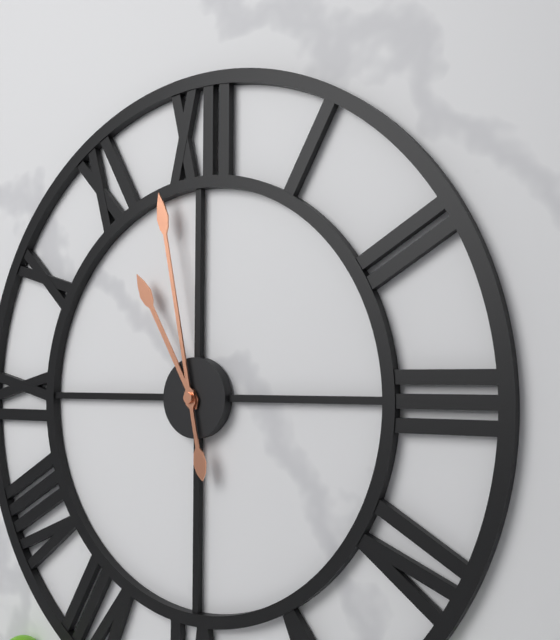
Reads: 10 h 58 min
